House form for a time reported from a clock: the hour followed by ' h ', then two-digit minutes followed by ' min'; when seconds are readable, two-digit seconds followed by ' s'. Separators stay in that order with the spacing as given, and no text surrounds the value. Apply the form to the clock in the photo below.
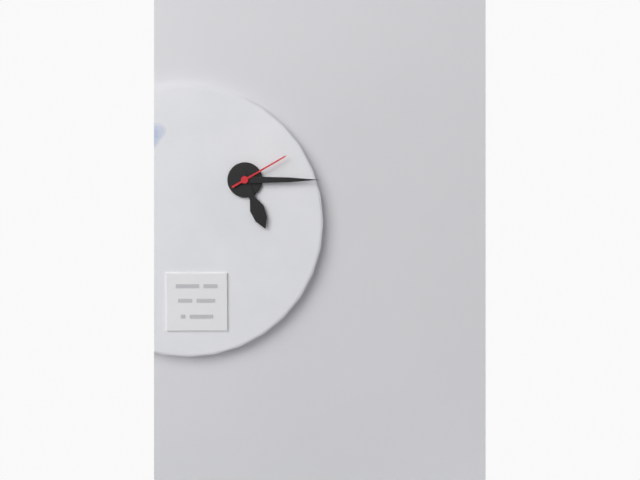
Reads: 5 h 15 min 10 s
